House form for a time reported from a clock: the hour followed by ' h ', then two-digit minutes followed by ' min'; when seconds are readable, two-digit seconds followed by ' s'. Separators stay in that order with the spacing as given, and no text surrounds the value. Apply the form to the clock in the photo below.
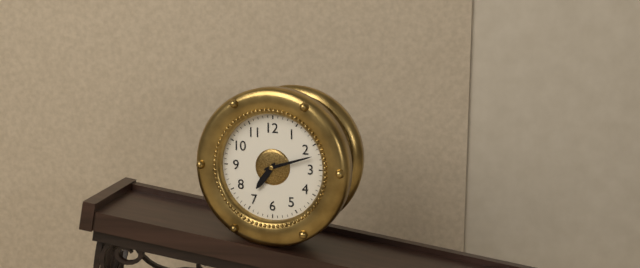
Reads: 7 h 12 min
